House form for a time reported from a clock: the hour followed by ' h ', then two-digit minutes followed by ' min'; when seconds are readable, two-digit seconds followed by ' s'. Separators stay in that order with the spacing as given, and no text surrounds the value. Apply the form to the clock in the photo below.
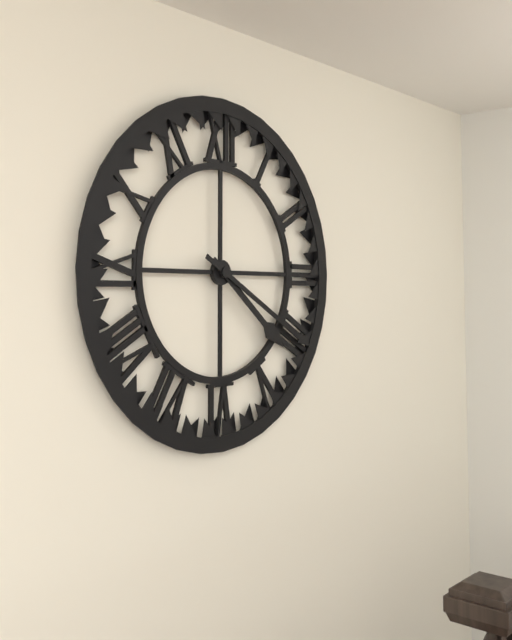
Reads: 4 h 20 min
